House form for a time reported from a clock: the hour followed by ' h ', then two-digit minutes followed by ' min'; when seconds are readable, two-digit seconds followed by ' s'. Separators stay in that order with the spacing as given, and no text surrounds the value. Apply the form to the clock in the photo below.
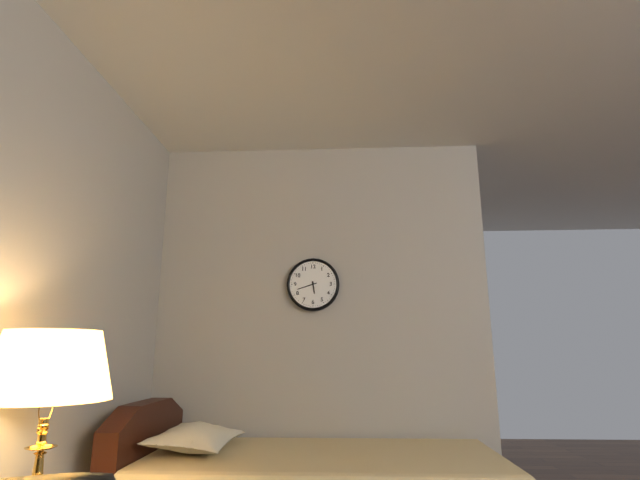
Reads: 5 h 42 min
